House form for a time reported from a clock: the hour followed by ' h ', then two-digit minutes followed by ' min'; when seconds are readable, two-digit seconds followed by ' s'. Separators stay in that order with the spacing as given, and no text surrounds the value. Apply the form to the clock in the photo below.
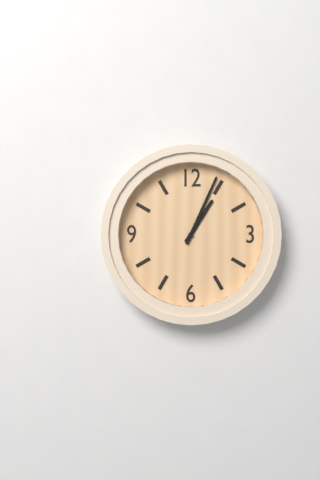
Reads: 1 h 04 min
